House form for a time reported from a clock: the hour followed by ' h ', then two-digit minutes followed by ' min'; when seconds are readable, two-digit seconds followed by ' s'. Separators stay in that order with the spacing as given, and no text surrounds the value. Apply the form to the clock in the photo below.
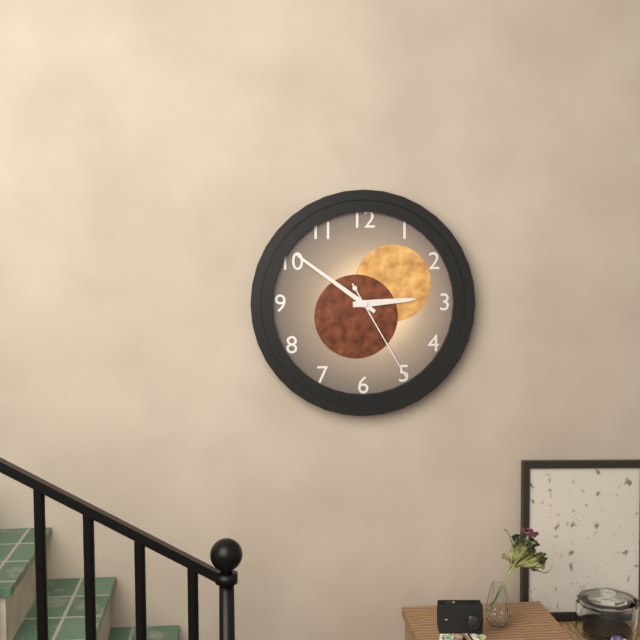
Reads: 2 h 51 min 25 s
